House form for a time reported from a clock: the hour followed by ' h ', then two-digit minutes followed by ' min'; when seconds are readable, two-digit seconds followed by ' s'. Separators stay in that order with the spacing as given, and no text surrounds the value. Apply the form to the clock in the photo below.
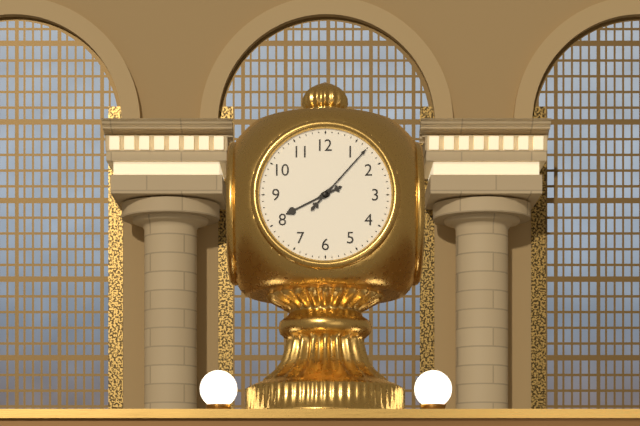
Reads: 8 h 07 min
